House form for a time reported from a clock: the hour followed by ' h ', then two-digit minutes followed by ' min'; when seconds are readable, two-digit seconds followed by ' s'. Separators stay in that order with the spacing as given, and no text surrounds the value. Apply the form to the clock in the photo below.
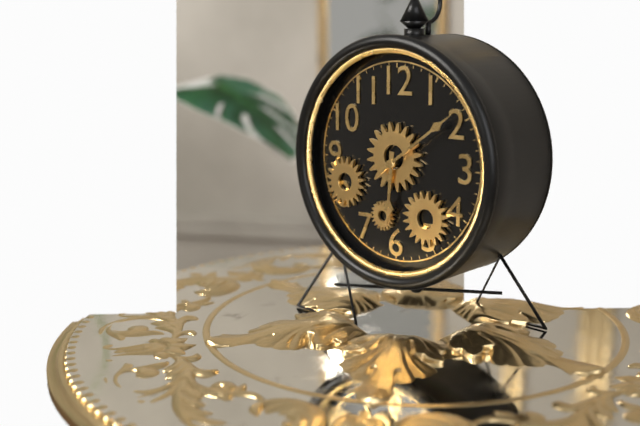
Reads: 6 h 09 min
